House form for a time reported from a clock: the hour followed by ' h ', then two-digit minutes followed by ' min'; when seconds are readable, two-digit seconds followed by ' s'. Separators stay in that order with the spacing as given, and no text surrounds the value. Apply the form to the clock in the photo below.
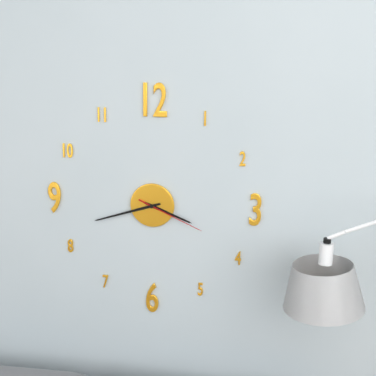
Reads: 3 h 42 min 19 s
